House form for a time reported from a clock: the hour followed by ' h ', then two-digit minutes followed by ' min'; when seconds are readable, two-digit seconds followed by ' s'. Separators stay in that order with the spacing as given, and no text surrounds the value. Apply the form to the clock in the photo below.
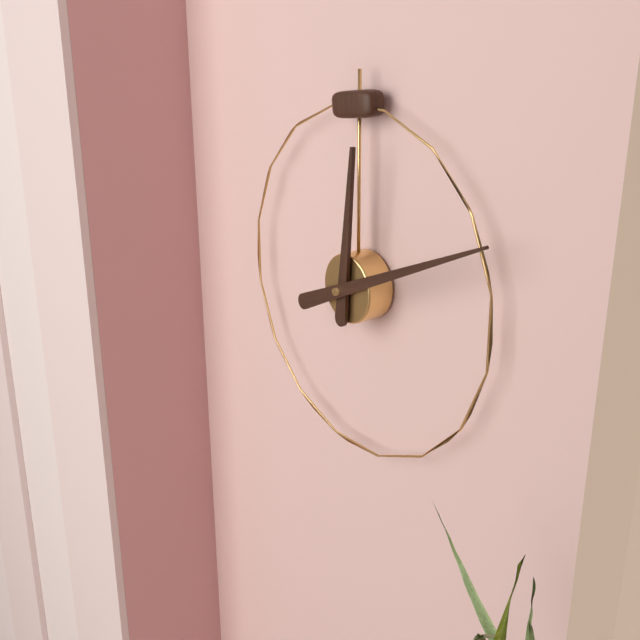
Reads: 12 h 11 min
